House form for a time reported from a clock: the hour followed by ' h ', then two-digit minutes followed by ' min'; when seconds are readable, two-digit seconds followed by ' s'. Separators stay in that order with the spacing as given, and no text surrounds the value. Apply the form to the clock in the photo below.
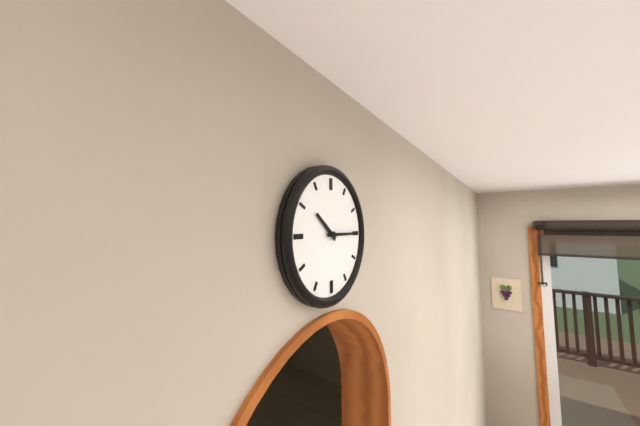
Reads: 10 h 15 min
